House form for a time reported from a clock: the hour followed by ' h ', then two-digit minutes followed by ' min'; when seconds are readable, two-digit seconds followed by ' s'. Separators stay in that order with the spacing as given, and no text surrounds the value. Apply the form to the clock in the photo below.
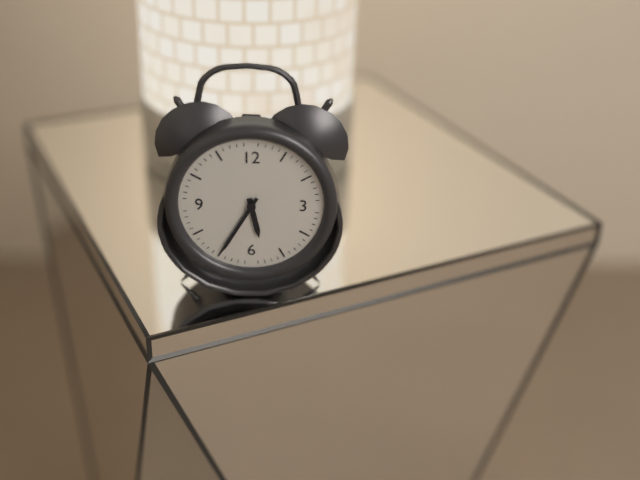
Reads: 5 h 35 min
